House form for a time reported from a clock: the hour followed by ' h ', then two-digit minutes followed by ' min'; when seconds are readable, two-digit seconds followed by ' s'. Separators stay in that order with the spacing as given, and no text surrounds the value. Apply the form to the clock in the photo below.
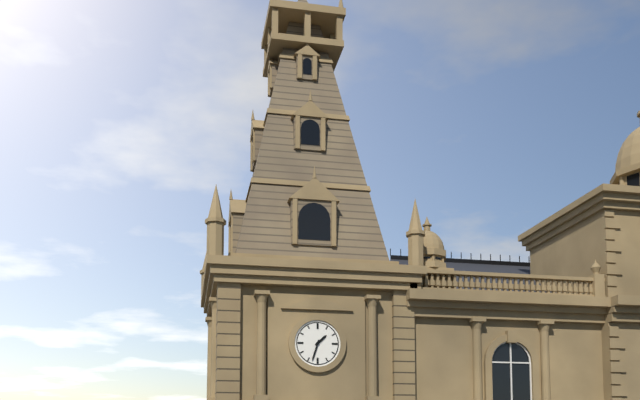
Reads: 1 h 33 min
